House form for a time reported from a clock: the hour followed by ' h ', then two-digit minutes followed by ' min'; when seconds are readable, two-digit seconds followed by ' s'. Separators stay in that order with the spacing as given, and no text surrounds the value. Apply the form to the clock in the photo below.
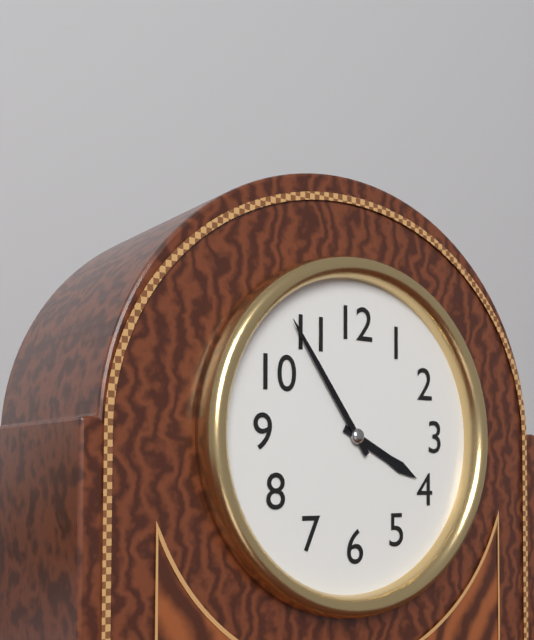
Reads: 3 h 54 min
